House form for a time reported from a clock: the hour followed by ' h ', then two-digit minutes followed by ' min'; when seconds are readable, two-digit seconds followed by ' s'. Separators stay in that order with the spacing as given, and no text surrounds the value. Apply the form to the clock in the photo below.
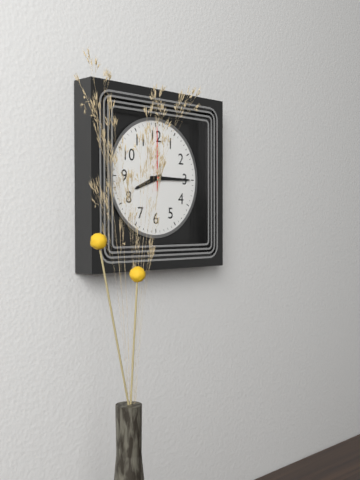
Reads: 8 h 15 min 00 s
